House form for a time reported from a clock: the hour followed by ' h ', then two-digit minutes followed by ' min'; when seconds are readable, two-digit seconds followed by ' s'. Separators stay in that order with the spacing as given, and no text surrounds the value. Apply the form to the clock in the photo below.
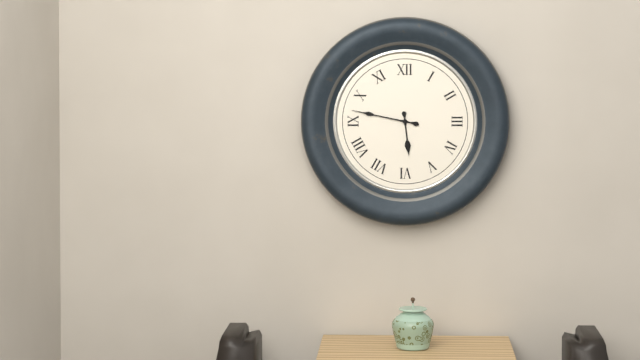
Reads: 5 h 47 min
